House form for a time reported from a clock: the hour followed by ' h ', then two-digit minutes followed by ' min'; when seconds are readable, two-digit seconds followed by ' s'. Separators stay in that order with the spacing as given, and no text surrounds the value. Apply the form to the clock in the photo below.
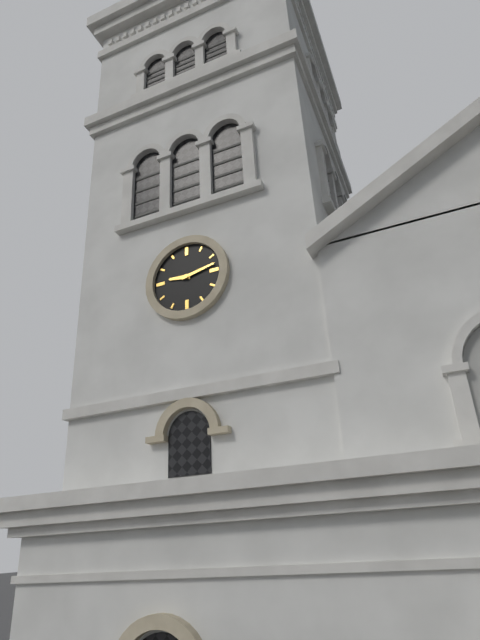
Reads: 9 h 13 min
